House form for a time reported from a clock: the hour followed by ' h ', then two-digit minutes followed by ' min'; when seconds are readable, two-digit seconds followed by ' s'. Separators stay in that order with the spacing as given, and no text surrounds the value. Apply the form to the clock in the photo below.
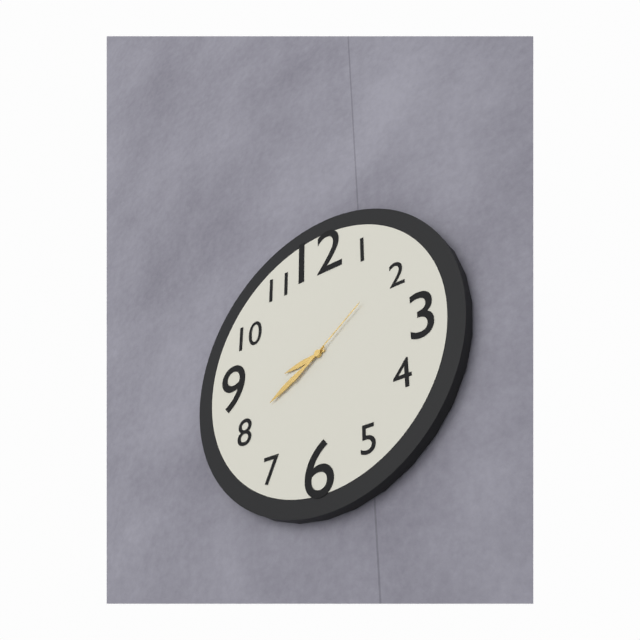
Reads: 8 h 40 min 09 s
